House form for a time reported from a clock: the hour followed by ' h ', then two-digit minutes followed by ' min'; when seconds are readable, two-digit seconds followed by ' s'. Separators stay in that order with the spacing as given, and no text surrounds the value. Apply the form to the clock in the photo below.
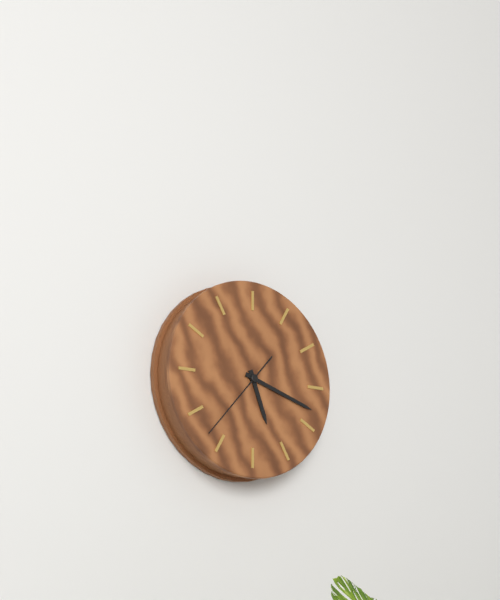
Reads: 5 h 18 min 37 s
